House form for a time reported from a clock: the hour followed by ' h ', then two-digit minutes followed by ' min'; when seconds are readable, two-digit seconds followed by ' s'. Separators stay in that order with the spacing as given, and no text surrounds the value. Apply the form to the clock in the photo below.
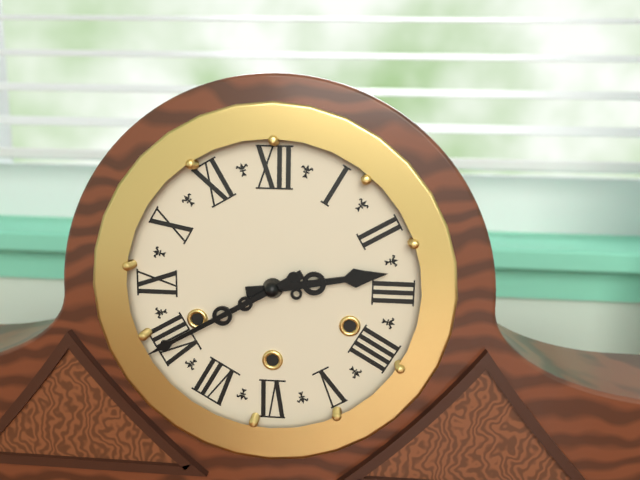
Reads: 2 h 40 min
